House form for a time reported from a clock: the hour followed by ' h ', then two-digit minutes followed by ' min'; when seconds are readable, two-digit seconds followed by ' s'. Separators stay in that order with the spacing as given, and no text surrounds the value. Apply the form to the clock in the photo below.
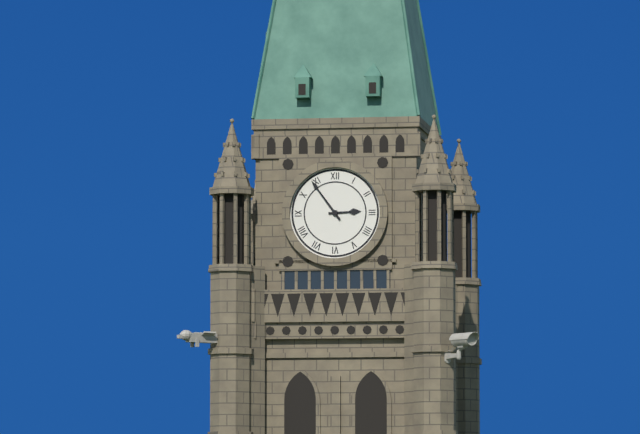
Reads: 2 h 54 min
